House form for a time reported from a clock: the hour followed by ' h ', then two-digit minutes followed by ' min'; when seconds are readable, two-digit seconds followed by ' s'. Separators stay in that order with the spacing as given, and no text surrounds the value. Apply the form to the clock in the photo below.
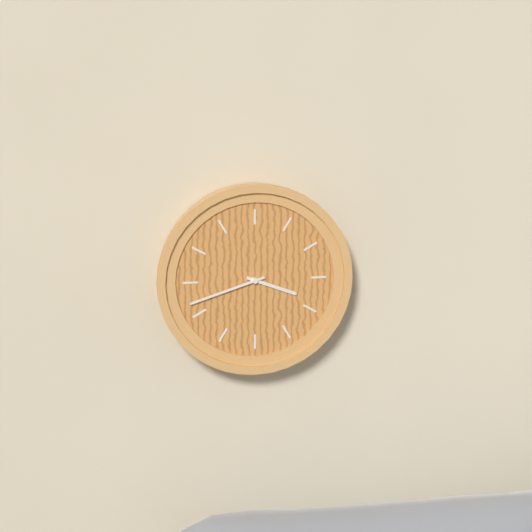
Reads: 3 h 42 min
